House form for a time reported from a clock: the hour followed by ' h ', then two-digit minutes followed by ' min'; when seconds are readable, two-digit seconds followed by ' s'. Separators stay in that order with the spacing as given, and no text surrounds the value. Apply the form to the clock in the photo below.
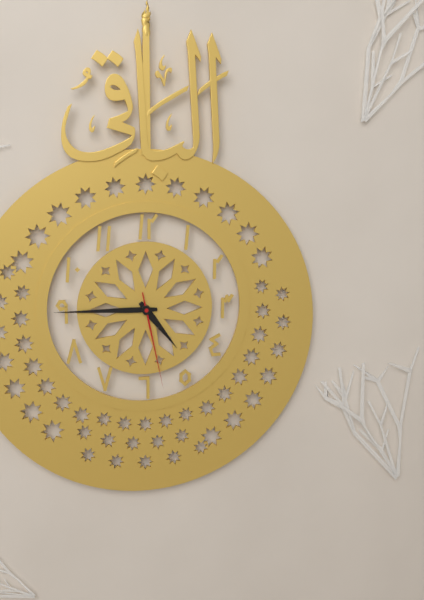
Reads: 4 h 45 min 28 s
